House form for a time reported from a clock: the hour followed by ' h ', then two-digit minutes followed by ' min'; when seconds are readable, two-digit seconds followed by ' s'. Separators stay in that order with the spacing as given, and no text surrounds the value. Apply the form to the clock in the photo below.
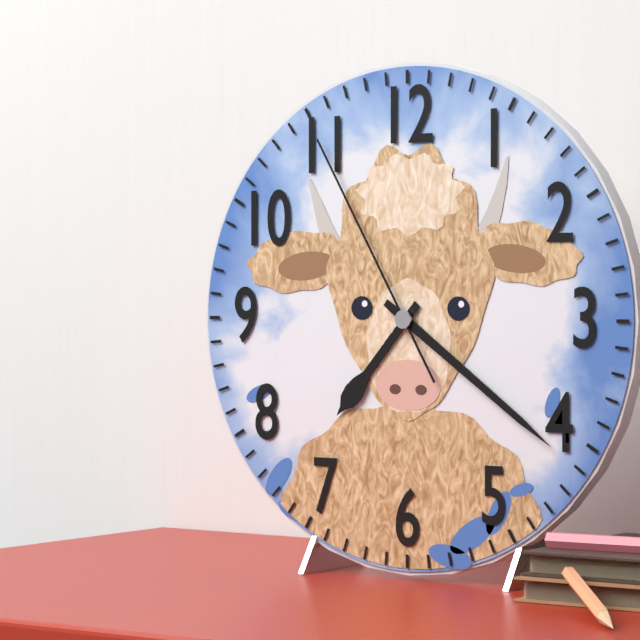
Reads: 7 h 21 min 55 s
